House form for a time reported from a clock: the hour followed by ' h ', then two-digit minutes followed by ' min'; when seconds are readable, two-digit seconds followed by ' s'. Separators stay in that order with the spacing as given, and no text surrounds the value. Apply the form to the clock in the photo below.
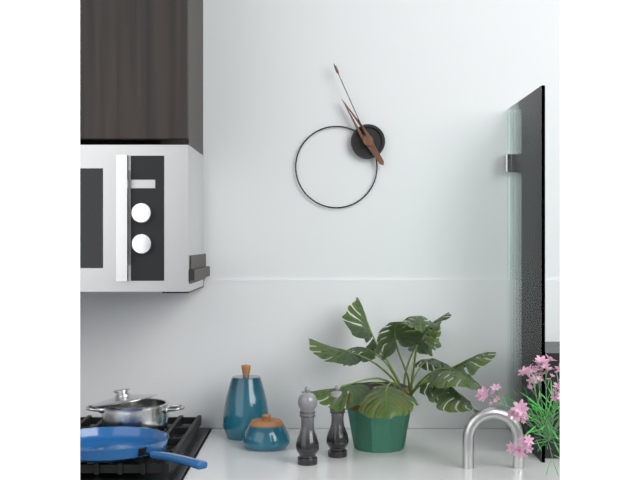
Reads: 10 h 56 min
